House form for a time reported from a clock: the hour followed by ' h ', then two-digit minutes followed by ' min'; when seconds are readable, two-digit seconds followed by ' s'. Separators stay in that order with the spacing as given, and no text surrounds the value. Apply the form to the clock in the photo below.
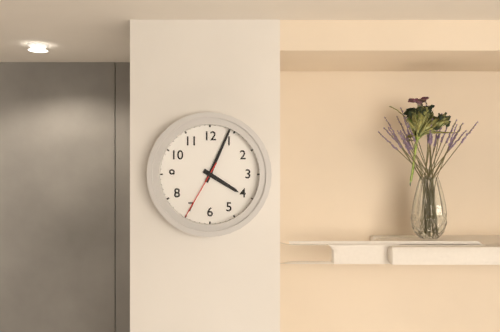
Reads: 4 h 04 min 35 s
